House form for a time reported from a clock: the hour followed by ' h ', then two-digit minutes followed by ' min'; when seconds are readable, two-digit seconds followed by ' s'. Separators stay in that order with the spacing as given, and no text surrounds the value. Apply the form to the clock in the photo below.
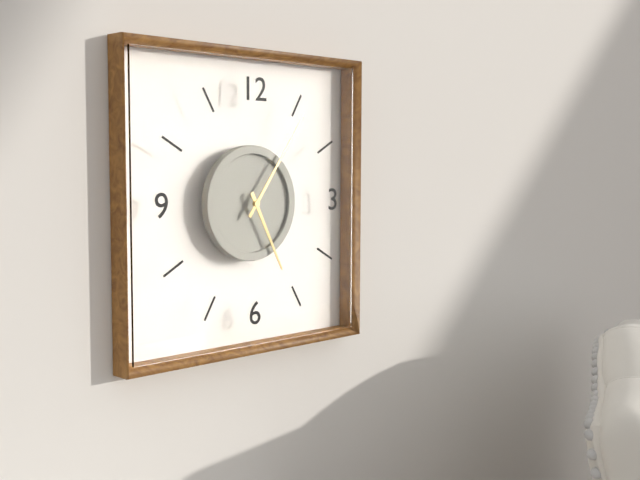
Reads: 5 h 06 min
